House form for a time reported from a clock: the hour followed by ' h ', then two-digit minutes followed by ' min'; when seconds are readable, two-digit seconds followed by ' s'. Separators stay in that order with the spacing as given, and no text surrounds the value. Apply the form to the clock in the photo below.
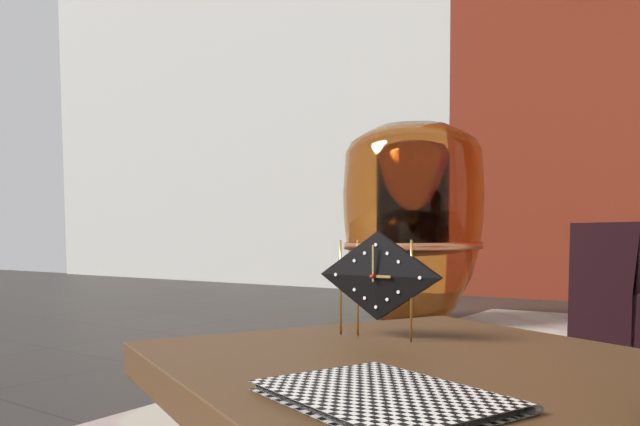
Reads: 3 h 00 min
